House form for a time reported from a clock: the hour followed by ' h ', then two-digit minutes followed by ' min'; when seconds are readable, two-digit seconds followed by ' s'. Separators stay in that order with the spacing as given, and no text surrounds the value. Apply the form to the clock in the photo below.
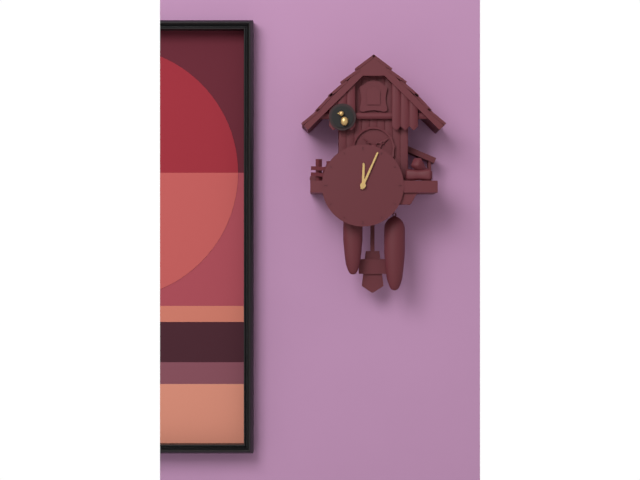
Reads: 12 h 04 min
